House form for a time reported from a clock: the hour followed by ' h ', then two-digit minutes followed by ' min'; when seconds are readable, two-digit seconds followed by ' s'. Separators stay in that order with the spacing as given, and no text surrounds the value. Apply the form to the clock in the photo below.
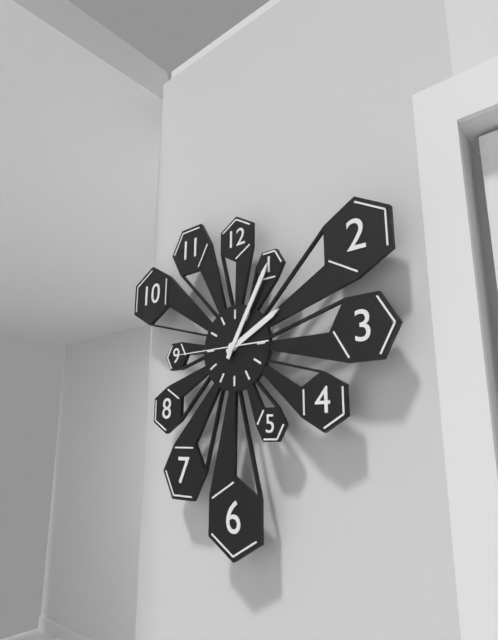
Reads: 2 h 05 min 45 s
